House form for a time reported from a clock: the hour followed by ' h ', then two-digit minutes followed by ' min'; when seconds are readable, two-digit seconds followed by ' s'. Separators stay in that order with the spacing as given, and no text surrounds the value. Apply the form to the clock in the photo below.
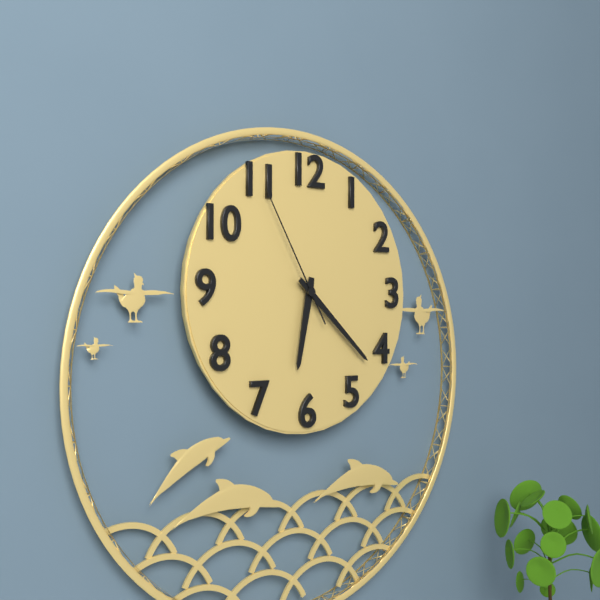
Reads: 6 h 22 min 55 s
